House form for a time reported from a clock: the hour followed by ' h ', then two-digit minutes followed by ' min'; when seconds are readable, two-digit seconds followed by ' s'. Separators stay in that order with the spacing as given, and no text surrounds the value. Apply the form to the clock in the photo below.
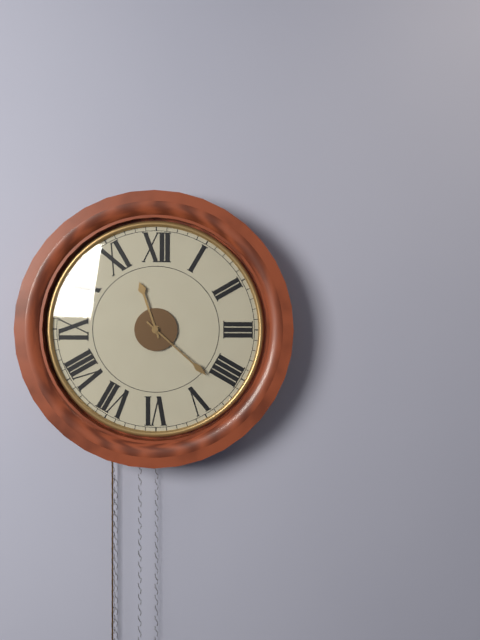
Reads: 11 h 22 min
